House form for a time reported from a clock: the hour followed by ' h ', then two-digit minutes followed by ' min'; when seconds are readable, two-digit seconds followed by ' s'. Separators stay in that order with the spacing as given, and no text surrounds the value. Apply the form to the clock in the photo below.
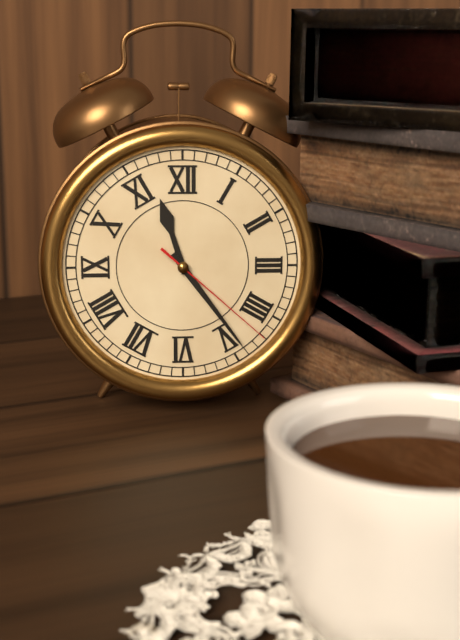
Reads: 11 h 24 min 22 s
